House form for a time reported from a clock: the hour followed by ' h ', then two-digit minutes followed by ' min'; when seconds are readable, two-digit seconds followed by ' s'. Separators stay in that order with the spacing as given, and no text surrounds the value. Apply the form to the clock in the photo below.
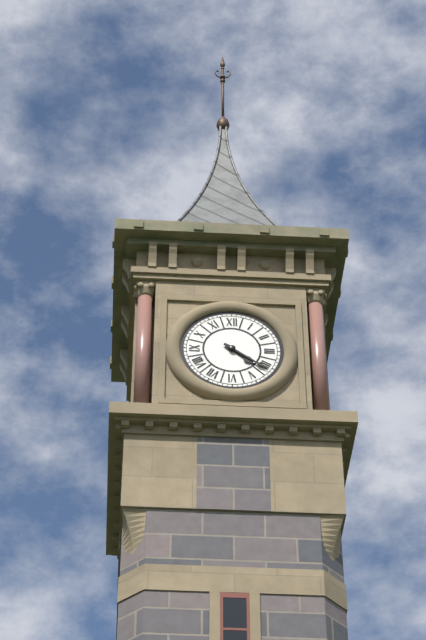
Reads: 4 h 21 min
